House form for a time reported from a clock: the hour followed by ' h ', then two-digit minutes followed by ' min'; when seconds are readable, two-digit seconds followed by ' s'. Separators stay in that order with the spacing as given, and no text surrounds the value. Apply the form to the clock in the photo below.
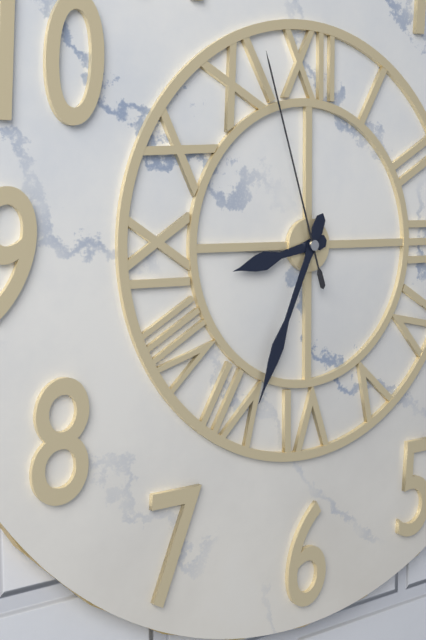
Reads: 8 h 34 min 57 s
